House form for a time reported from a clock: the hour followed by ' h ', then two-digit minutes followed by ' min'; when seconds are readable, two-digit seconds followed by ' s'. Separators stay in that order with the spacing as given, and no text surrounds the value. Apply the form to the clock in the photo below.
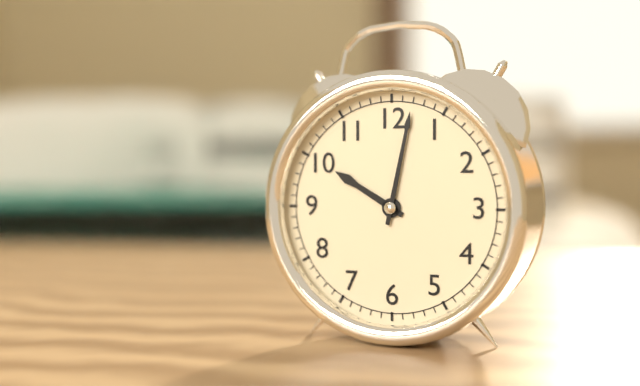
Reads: 10 h 02 min
